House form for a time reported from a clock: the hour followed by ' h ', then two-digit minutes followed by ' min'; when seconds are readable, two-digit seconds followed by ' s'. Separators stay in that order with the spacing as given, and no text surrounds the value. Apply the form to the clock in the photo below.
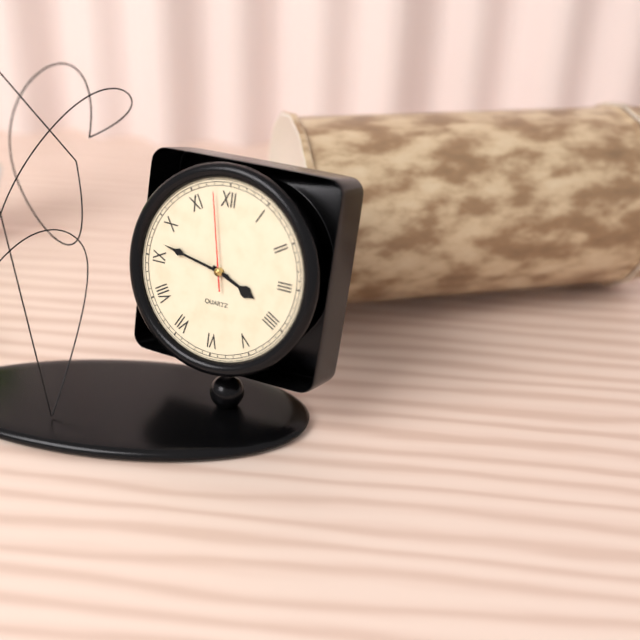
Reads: 3 h 47 min 58 s
